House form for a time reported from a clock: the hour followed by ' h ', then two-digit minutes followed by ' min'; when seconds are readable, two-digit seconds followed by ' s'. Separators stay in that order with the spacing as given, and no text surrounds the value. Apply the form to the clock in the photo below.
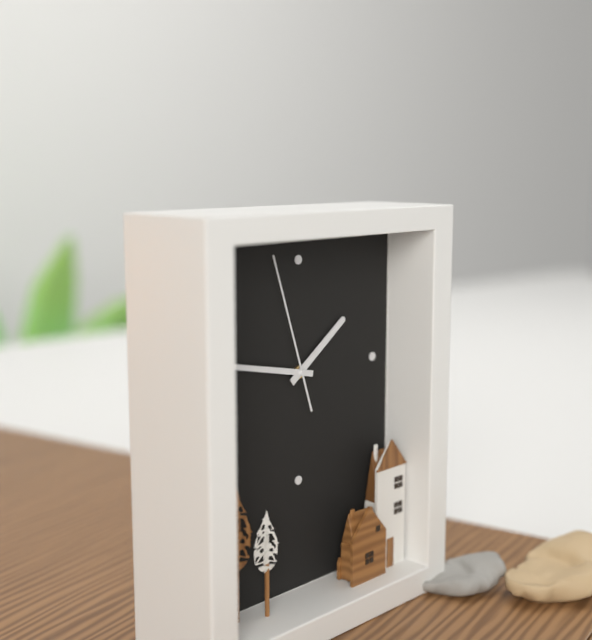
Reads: 1 h 47 min 57 s
